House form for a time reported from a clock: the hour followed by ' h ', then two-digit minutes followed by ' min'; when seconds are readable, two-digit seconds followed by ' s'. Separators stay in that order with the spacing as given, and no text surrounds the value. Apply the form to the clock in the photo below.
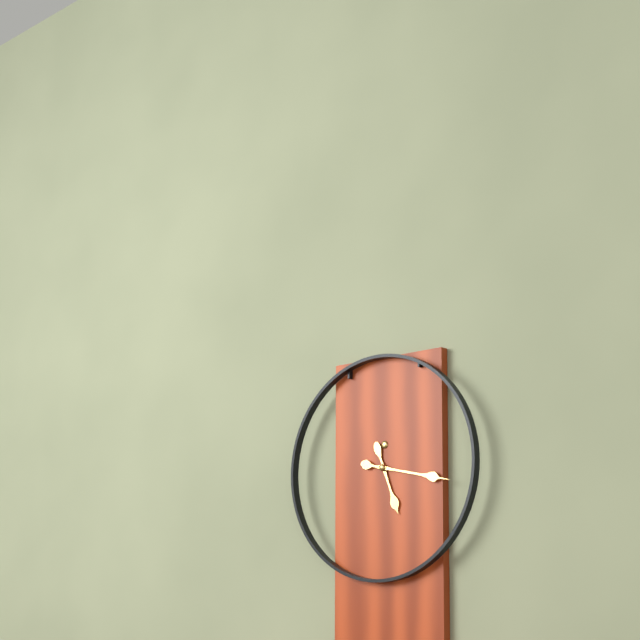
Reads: 5 h 17 min
